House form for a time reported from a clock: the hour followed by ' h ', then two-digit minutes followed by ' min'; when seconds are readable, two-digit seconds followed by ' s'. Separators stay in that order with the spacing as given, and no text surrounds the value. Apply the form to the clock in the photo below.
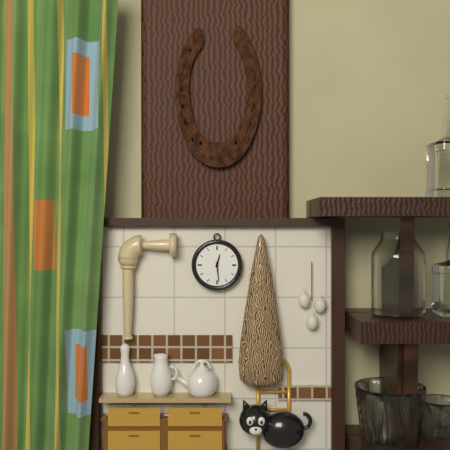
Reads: 12 h 29 min
